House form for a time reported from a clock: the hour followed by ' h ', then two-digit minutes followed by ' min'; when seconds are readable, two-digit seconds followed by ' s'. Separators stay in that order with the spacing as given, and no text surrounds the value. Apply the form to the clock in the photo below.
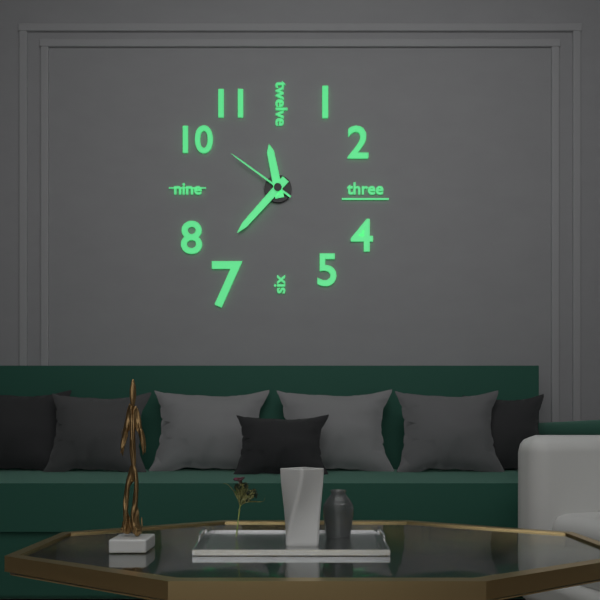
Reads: 11 h 37 min 51 s
